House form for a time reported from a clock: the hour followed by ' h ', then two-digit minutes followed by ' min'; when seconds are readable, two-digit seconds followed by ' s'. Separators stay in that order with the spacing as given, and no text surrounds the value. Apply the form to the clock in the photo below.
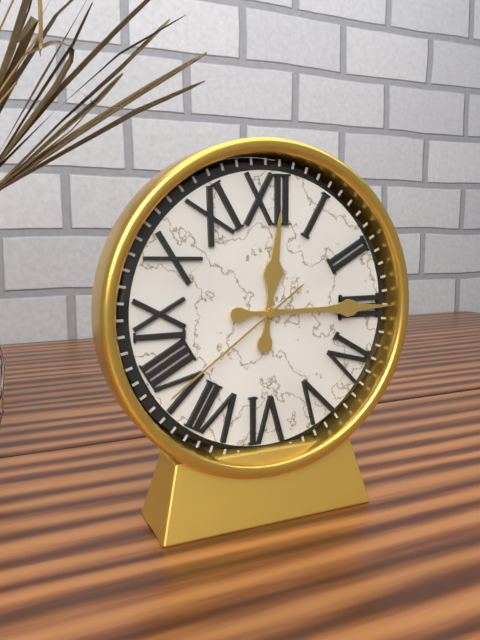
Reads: 12 h 15 min 39 s
